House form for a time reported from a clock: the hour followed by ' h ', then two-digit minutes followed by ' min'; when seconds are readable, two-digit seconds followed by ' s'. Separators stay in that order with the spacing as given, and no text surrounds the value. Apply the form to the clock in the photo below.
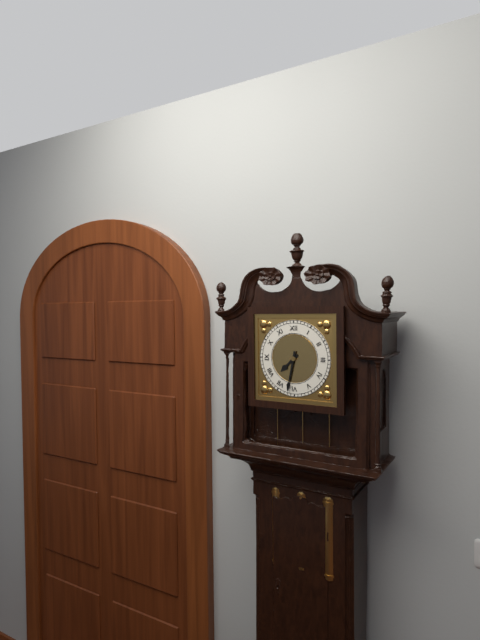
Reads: 7 h 32 min
